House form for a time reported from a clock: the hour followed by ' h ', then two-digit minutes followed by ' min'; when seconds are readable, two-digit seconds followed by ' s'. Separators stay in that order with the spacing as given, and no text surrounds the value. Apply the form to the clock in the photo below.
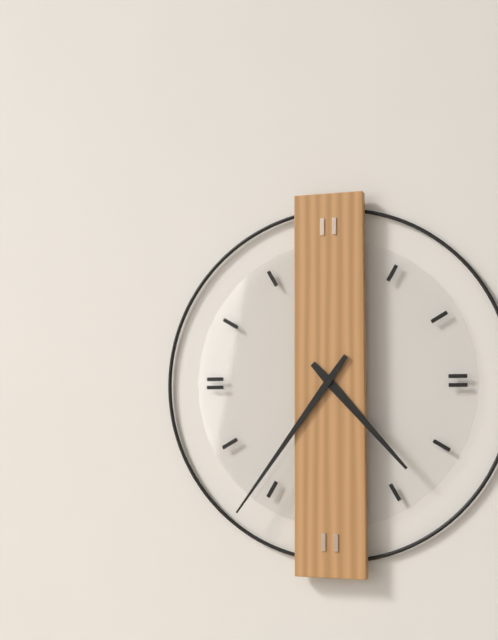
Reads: 4 h 36 min
